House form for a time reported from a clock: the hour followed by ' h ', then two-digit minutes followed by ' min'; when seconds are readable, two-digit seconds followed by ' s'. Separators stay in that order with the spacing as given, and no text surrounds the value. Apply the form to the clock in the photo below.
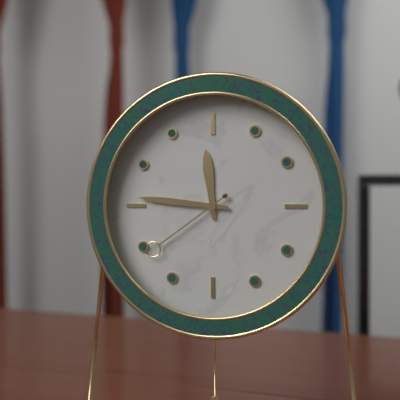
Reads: 11 h 46 min 39 s
